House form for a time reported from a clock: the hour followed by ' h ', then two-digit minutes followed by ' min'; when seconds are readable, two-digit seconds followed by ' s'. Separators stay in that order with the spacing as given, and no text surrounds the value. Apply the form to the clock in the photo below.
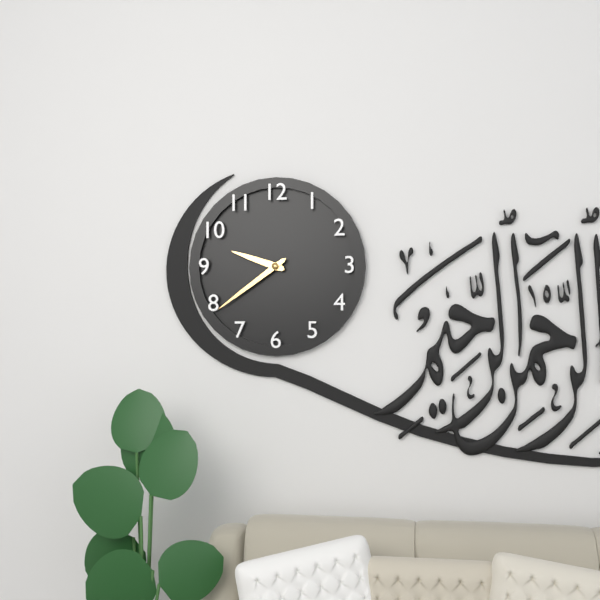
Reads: 9 h 39 min
